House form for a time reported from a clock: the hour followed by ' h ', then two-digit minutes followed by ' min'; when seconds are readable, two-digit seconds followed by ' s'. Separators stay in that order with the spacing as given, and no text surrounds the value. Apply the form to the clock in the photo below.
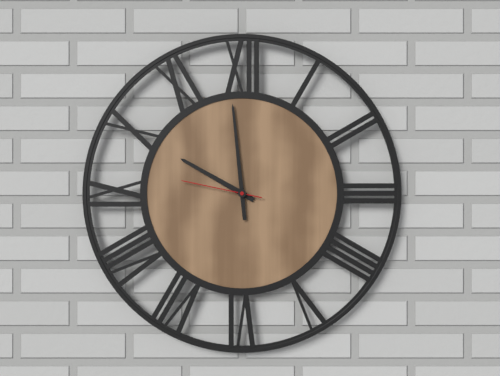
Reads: 9 h 59 min 47 s
